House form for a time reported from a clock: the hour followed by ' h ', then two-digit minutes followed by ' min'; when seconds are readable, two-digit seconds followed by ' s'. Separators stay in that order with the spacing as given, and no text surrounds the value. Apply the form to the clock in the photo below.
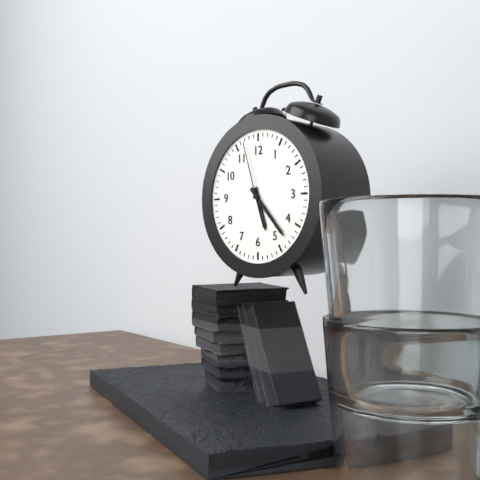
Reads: 5 h 23 min 57 s
